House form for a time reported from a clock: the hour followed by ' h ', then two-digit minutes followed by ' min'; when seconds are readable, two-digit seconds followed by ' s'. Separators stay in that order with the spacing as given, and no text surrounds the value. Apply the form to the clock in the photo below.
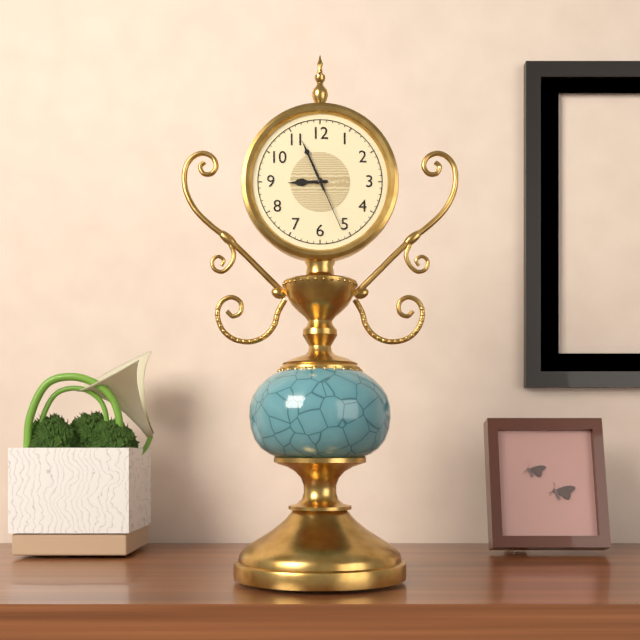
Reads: 8 h 56 min 26 s
